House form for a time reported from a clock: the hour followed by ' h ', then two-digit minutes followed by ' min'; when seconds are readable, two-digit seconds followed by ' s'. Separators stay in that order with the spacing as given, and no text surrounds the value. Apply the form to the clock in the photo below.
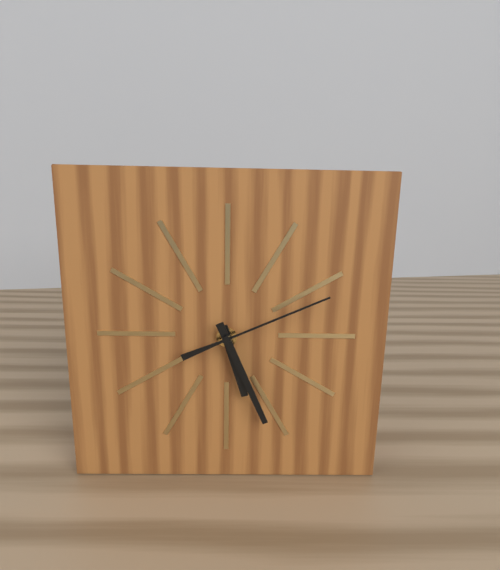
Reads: 5 h 26 min 11 s
